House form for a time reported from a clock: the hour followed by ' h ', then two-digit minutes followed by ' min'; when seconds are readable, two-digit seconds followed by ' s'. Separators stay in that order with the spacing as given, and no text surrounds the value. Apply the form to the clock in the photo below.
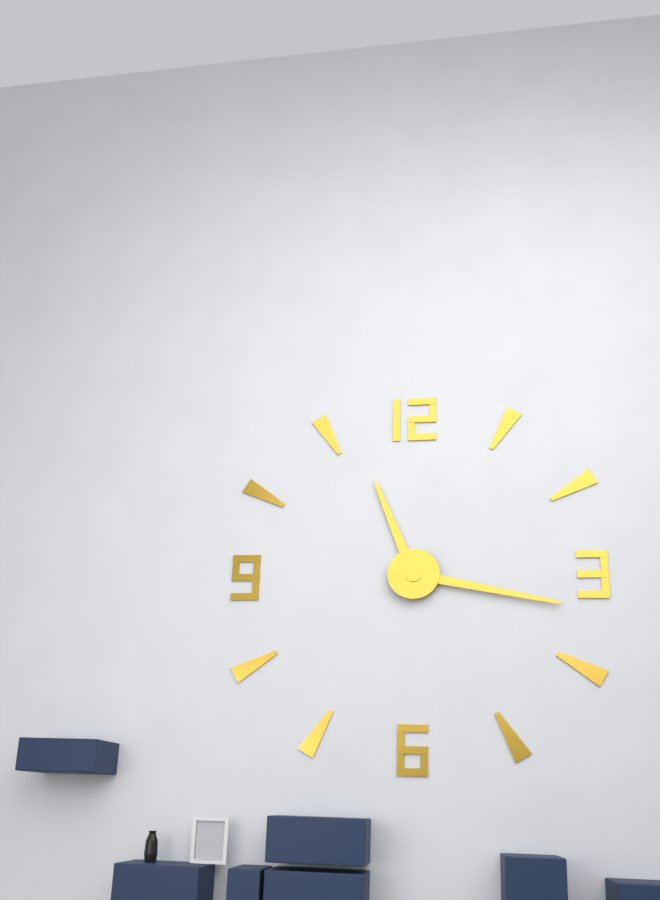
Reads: 11 h 17 min
